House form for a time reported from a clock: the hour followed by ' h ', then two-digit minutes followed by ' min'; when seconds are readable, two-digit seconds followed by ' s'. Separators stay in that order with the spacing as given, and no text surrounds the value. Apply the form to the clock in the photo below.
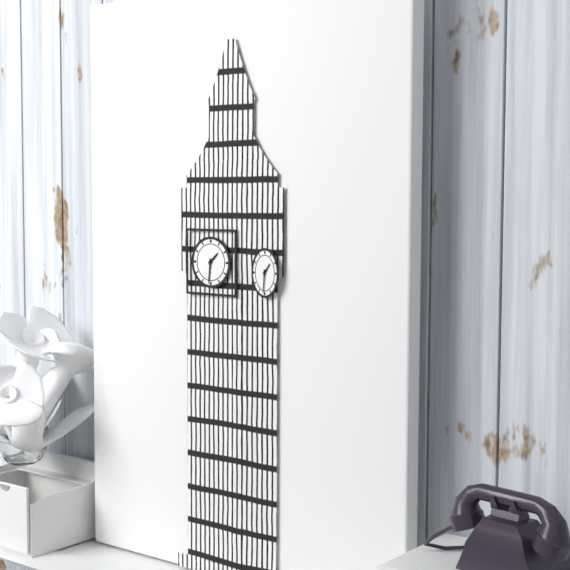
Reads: 1 h 31 min
